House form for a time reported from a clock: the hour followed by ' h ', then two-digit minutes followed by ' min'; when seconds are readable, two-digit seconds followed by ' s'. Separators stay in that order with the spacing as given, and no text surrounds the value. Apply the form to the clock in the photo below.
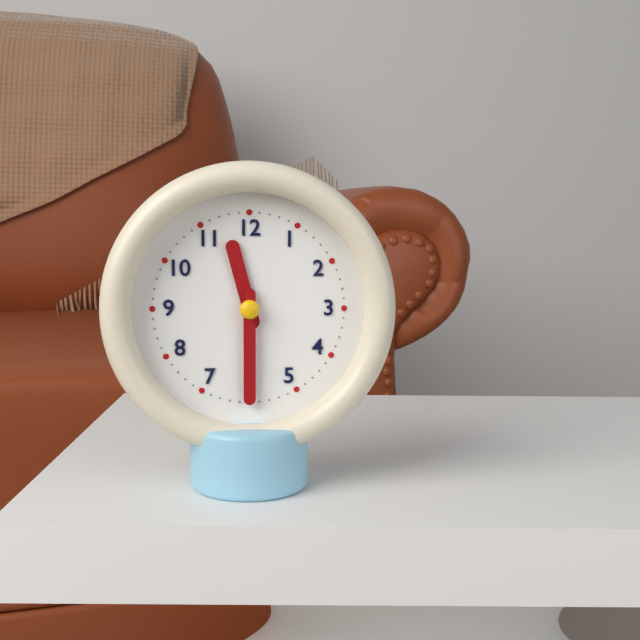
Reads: 11 h 30 min
